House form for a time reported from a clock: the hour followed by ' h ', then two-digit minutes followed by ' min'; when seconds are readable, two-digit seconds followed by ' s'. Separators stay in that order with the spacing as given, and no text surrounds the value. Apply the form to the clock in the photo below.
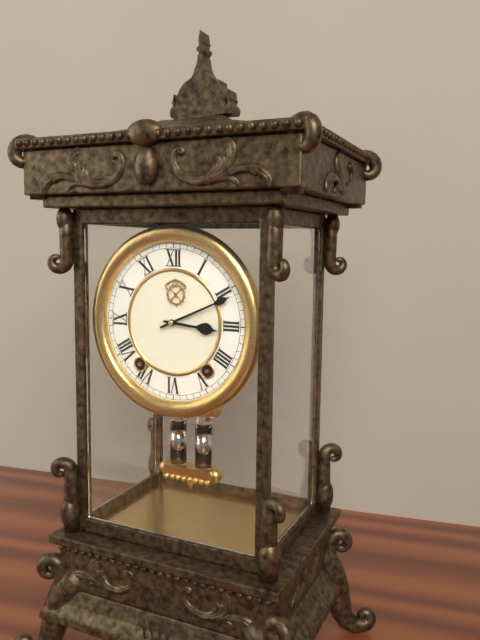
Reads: 3 h 11 min
